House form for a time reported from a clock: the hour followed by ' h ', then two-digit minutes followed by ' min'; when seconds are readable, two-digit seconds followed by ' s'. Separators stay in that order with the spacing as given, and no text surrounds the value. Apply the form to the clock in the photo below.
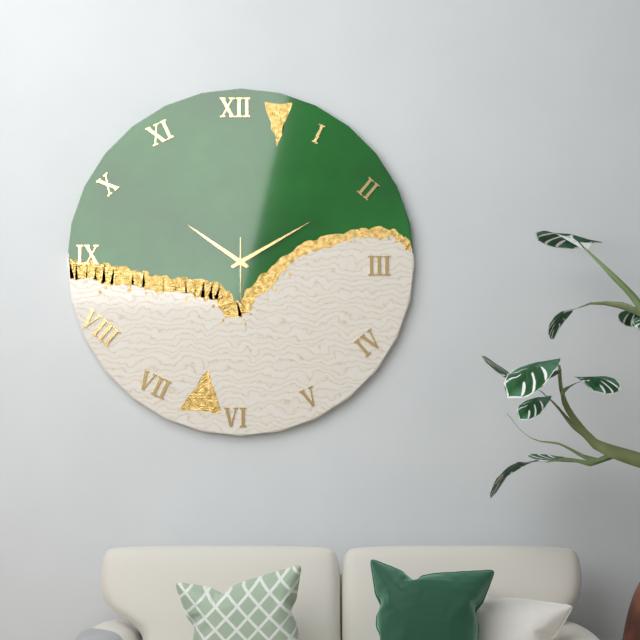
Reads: 10 h 10 min
